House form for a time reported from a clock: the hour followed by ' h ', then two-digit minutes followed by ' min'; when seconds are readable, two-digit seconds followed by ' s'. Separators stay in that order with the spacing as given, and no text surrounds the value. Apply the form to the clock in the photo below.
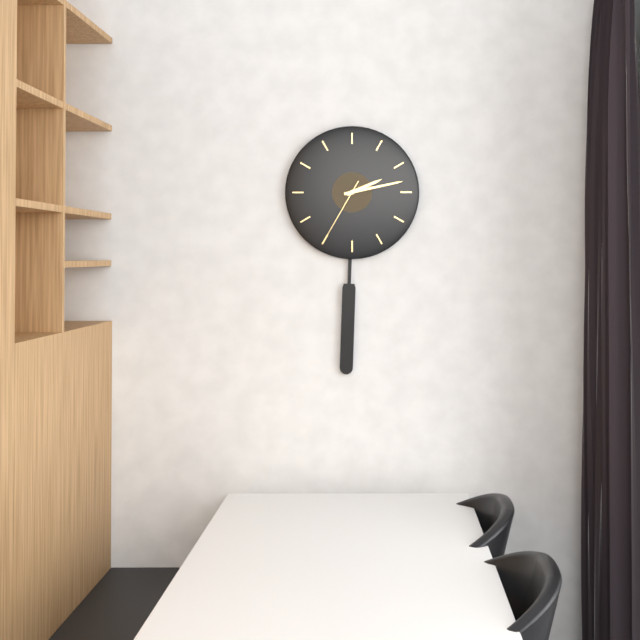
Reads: 2 h 13 min 35 s
